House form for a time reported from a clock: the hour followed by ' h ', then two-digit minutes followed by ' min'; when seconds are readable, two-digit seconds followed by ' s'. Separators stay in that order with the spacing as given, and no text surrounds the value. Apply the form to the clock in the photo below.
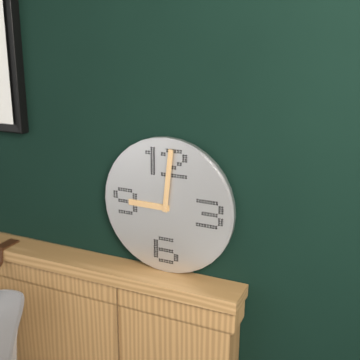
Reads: 9 h 01 min
